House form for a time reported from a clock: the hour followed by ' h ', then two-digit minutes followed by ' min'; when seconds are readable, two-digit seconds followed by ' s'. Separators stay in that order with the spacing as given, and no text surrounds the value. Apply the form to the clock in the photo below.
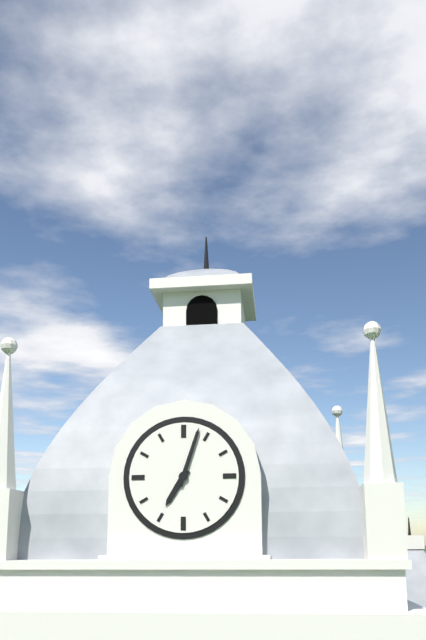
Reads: 7 h 03 min
